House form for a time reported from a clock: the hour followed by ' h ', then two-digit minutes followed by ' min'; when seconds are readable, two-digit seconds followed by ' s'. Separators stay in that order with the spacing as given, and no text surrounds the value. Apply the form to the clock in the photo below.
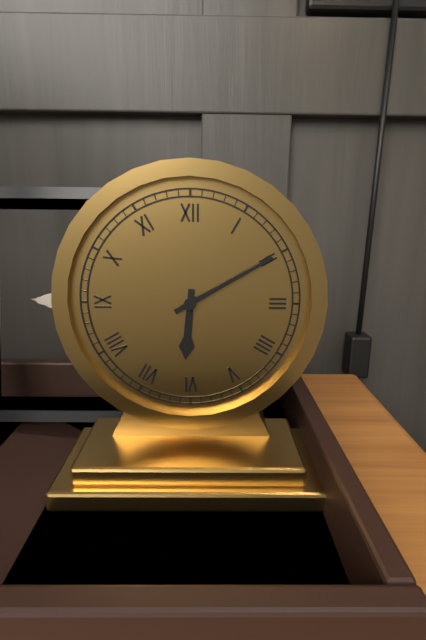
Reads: 6 h 10 min
